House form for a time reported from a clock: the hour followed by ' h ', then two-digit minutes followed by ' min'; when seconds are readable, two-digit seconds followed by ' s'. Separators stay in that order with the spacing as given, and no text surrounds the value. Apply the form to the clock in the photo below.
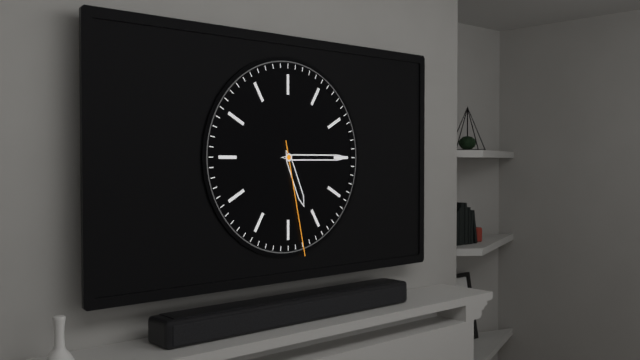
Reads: 5 h 15 min 28 s
